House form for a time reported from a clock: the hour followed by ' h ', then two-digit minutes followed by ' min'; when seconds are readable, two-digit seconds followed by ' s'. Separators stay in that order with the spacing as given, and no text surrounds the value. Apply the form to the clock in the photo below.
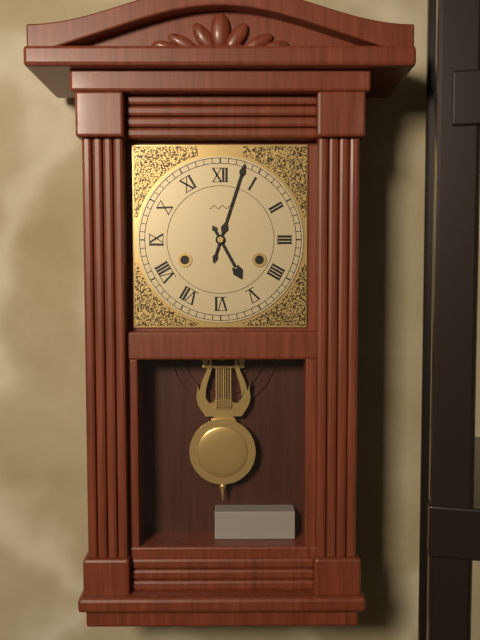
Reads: 5 h 03 min
